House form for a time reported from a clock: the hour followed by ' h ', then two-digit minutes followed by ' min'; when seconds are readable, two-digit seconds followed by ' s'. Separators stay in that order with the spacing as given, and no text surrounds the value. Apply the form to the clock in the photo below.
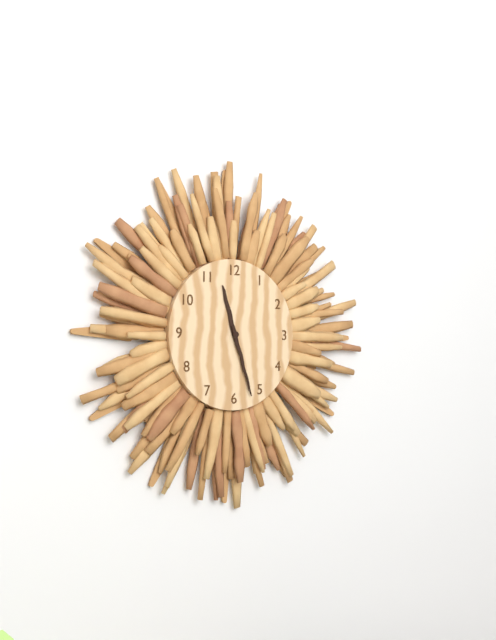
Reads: 11 h 27 min
